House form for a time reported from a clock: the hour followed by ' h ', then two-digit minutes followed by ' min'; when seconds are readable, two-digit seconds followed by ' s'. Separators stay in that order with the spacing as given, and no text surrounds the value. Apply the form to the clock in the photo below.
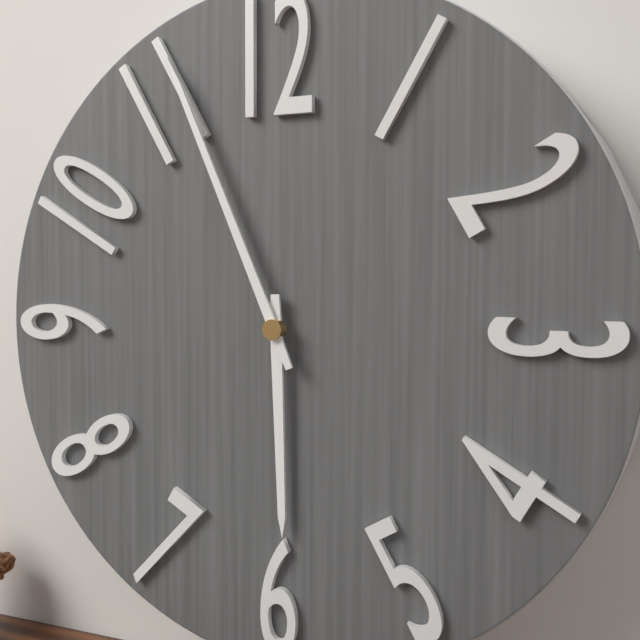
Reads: 5 h 56 min
